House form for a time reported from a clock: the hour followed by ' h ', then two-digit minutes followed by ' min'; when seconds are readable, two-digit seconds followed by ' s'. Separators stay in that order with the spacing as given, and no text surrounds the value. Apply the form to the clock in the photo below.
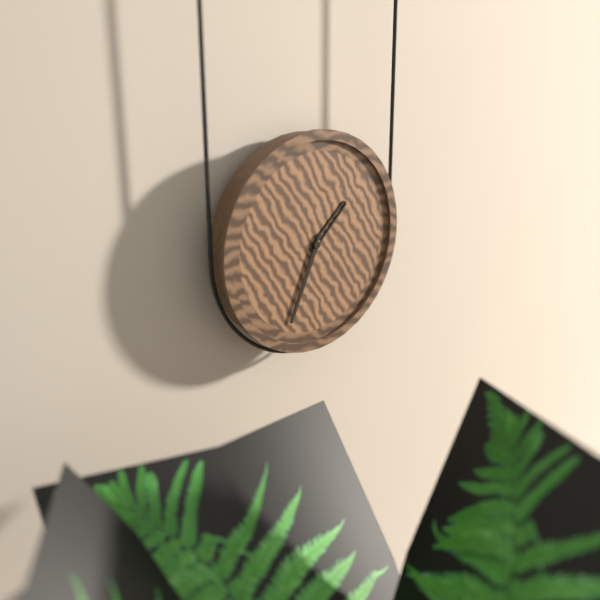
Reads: 1 h 34 min
